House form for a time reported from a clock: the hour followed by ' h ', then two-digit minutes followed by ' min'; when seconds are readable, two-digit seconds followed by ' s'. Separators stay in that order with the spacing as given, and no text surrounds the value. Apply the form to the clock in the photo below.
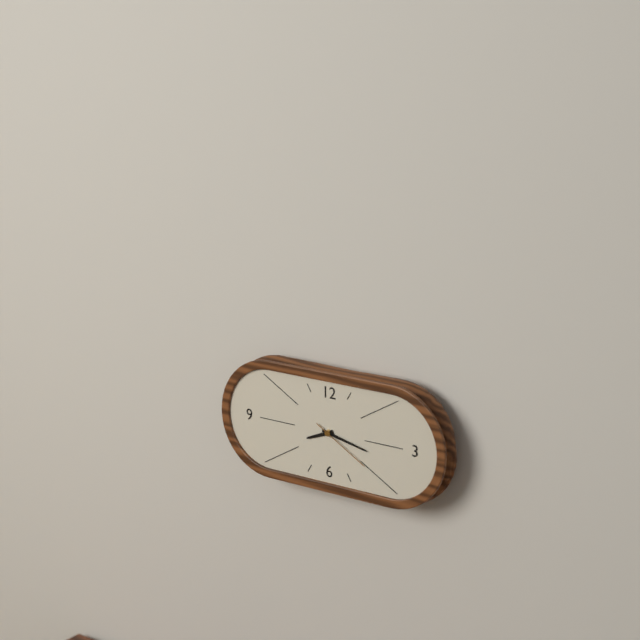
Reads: 8 h 17 min 20 s
